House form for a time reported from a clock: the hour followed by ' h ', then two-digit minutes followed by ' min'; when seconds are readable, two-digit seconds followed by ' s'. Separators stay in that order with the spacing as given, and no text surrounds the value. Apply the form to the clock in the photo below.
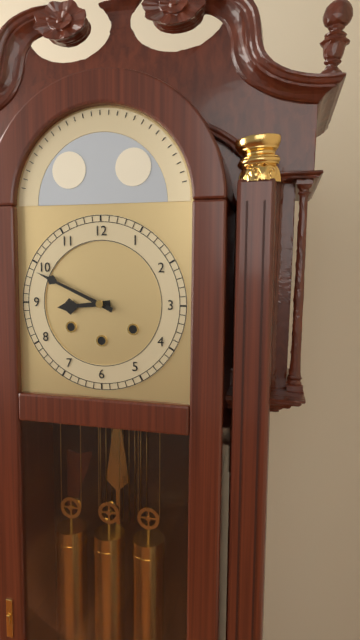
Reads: 8 h 49 min
